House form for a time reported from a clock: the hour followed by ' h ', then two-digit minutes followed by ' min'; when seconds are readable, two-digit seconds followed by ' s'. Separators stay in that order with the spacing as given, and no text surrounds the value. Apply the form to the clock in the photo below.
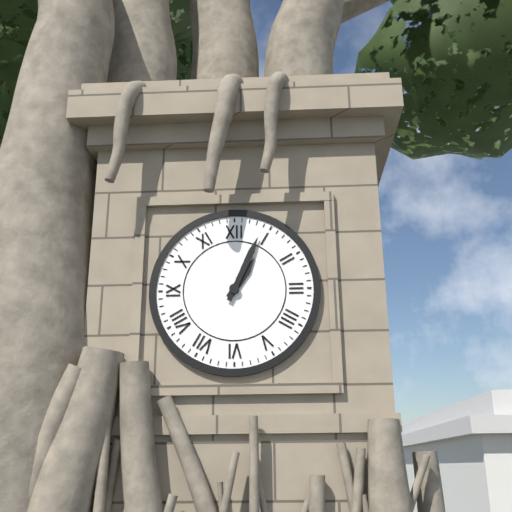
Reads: 1 h 04 min
